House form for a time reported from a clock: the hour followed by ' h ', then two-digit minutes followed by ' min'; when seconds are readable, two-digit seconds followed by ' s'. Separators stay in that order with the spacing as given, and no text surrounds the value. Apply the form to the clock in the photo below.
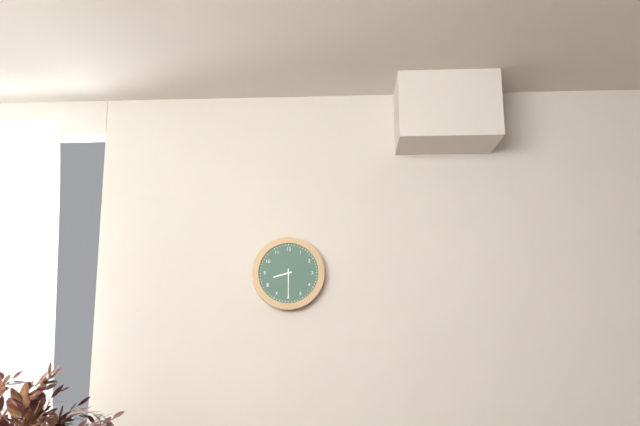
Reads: 8 h 30 min
